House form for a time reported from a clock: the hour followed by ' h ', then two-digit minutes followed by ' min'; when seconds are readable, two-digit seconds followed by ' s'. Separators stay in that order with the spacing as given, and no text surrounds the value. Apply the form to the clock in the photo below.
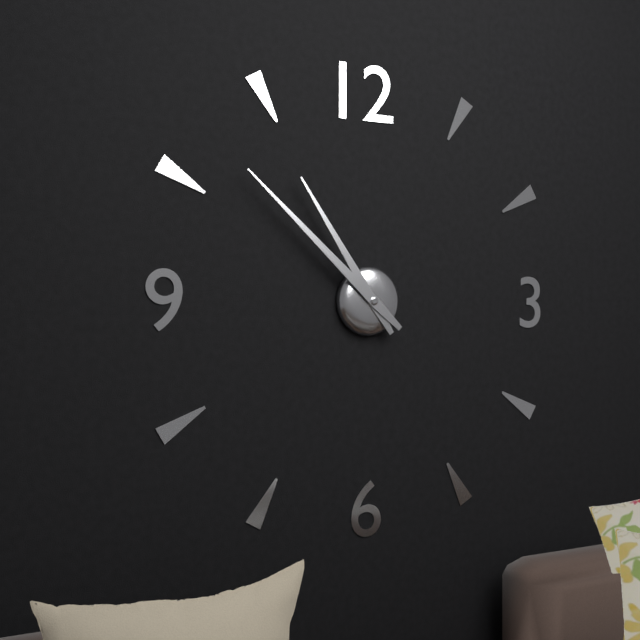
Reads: 10 h 52 min
